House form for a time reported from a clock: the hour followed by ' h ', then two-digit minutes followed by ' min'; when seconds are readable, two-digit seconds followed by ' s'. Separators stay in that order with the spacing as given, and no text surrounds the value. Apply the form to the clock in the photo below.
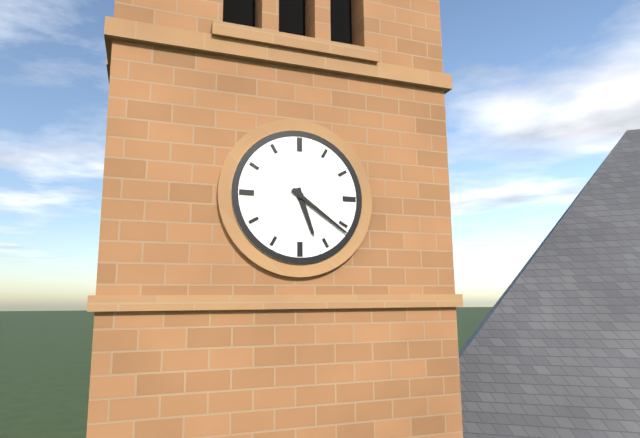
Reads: 5 h 21 min
